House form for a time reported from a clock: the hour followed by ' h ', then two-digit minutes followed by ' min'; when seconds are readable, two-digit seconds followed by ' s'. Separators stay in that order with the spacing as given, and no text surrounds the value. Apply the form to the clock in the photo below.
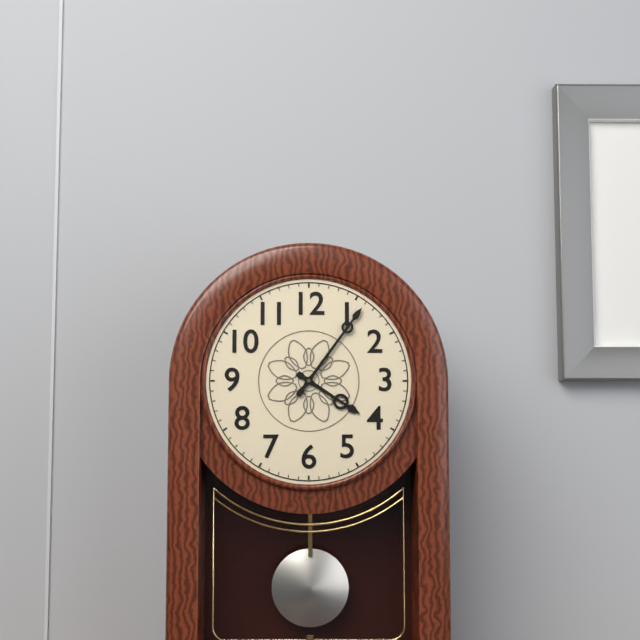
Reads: 4 h 06 min
